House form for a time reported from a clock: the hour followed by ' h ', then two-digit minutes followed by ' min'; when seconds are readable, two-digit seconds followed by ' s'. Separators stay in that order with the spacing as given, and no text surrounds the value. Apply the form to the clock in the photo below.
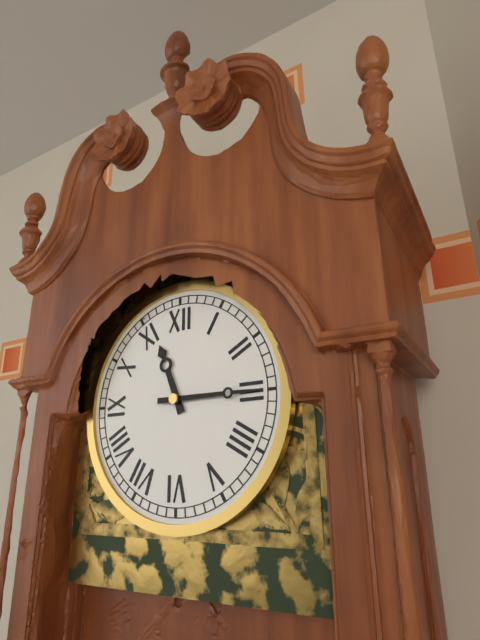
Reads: 11 h 15 min
